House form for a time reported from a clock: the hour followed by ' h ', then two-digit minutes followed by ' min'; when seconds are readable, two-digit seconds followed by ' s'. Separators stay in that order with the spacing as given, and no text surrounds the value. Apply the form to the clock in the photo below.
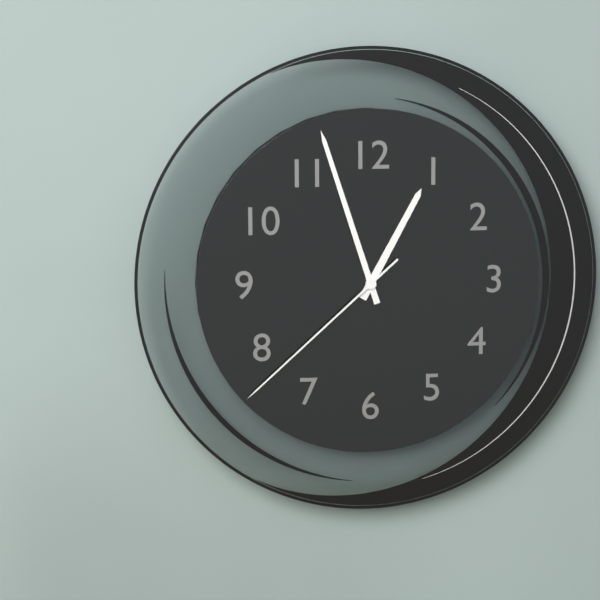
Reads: 12 h 57 min 38 s
